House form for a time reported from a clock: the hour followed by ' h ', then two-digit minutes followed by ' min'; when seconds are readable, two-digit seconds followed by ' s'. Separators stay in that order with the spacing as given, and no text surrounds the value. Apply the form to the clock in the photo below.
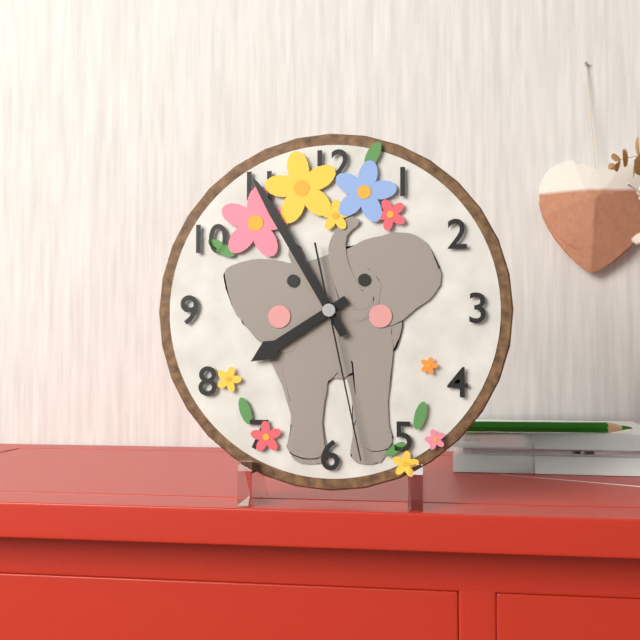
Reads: 7 h 55 min 28 s
